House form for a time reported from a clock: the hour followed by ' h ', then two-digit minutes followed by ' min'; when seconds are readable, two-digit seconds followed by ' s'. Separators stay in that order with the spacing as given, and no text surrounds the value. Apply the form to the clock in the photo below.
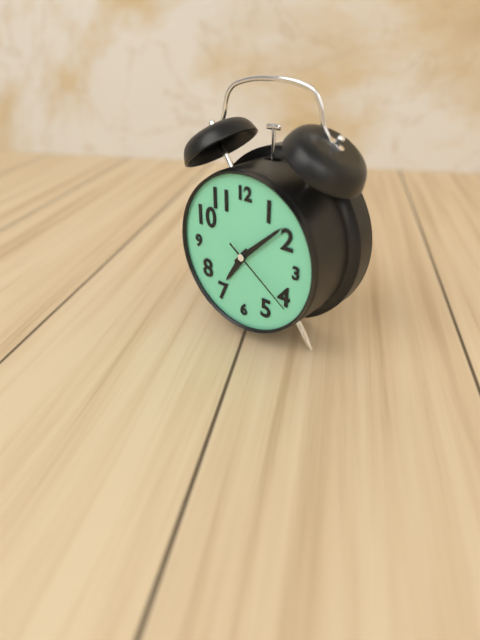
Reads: 7 h 08 min 21 s
